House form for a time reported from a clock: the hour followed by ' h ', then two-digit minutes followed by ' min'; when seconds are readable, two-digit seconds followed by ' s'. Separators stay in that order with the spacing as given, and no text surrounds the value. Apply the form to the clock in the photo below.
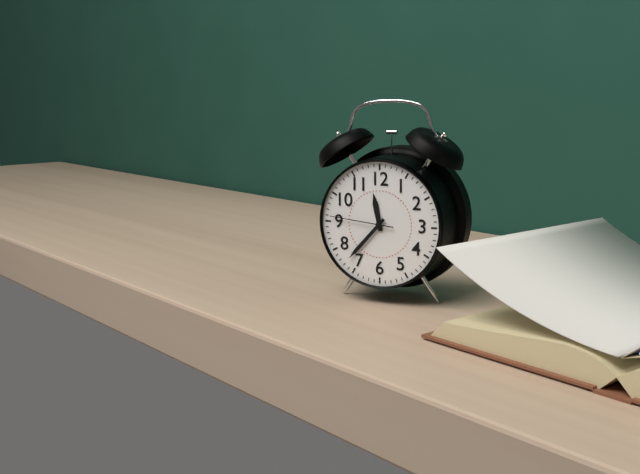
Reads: 11 h 37 min 46 s
